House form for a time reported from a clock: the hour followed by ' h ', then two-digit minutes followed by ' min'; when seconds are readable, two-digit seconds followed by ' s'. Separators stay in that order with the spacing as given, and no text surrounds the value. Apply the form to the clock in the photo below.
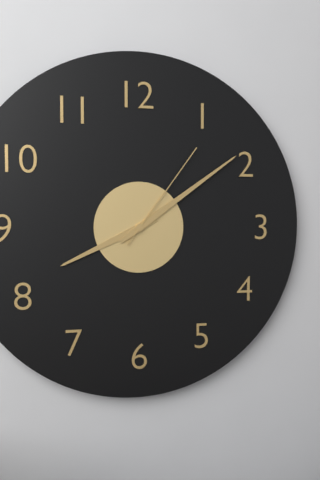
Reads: 8 h 09 min 06 s
